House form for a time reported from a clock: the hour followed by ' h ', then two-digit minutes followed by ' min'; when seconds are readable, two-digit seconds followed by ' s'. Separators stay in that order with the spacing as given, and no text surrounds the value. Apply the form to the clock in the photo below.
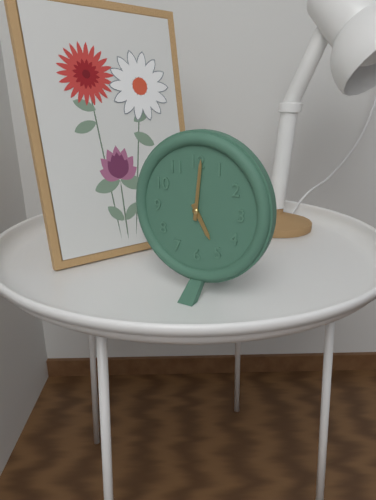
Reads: 5 h 01 min
